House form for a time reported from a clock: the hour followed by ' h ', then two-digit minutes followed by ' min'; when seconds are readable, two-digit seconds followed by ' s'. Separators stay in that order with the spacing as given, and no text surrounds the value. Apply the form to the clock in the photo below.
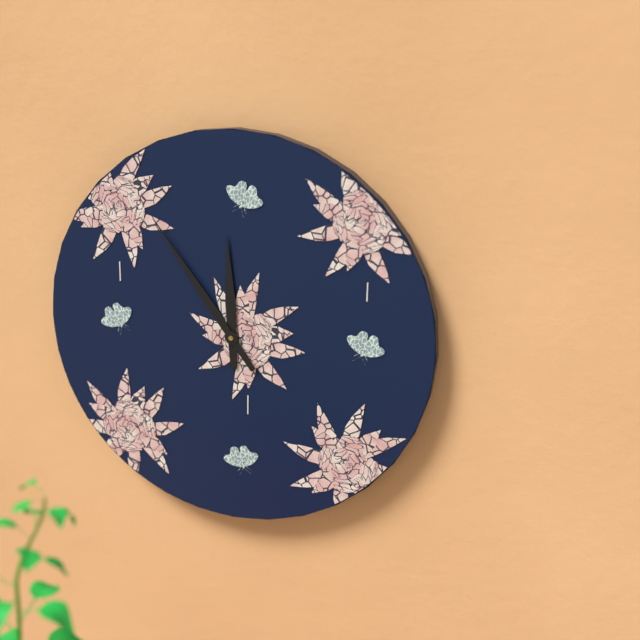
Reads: 11 h 54 min
